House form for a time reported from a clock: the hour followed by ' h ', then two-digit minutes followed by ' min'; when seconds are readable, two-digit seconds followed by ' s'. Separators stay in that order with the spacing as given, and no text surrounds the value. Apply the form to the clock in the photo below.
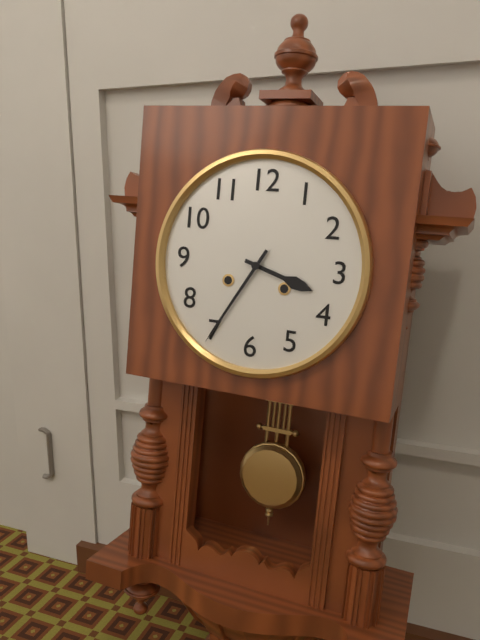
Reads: 3 h 35 min
